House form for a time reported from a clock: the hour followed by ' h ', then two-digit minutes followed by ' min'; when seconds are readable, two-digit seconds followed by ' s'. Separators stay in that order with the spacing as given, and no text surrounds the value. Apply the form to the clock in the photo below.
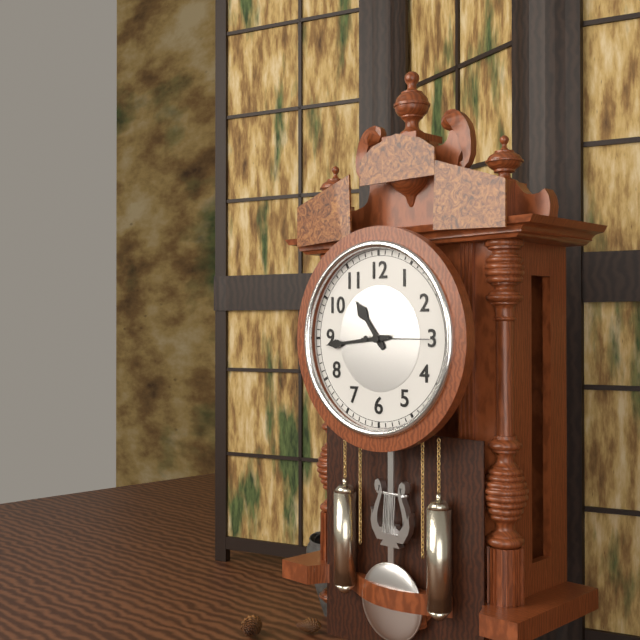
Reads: 10 h 44 min 15 s
